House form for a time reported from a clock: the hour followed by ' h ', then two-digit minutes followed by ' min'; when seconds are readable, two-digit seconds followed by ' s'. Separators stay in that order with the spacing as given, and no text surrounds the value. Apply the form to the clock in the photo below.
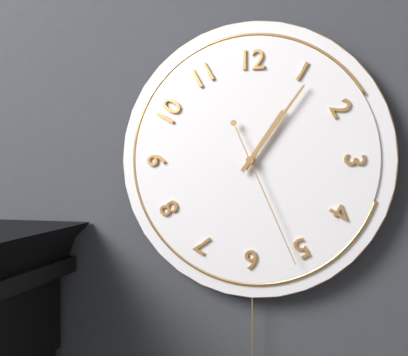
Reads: 1 h 06 min 26 s
